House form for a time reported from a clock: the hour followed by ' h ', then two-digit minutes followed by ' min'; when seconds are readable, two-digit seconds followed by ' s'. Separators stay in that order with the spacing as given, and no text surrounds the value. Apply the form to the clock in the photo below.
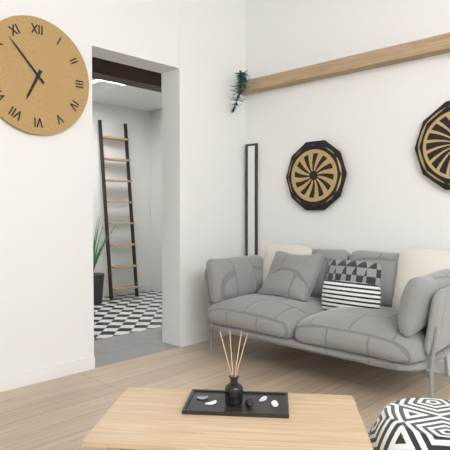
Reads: 6 h 53 min
